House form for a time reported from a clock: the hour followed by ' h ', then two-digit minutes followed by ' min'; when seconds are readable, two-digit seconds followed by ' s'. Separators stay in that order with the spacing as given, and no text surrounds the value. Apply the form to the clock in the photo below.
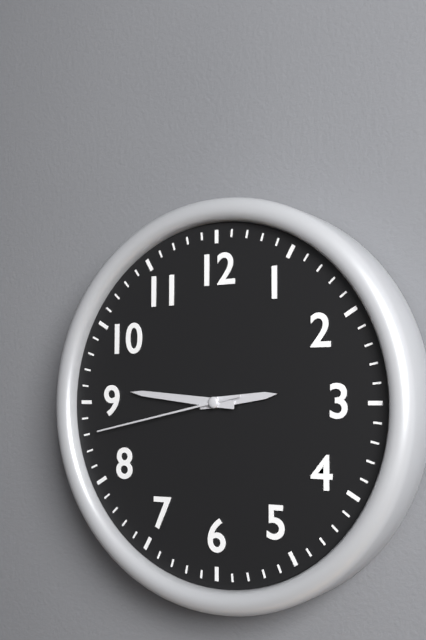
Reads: 2 h 46 min 43 s
